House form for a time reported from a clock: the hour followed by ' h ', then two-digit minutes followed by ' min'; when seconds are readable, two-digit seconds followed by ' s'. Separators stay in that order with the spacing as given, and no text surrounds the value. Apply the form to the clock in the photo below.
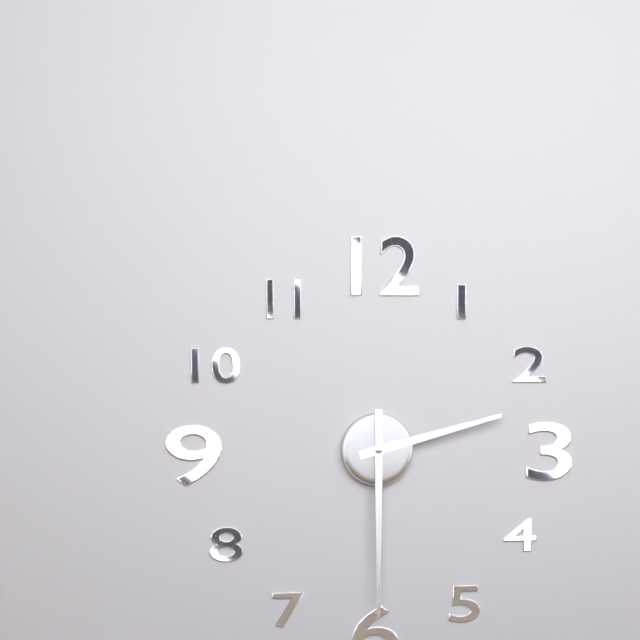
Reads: 2 h 30 min
